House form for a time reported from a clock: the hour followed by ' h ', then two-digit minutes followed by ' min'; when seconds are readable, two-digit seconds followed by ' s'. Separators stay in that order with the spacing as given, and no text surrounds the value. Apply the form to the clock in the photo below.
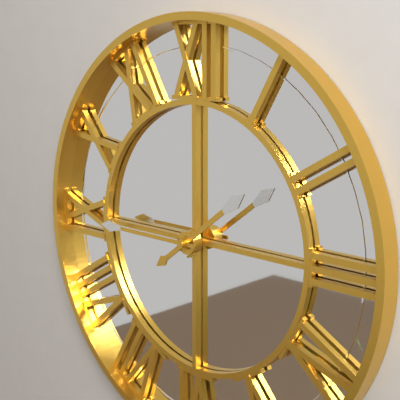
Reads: 1 h 45 min
